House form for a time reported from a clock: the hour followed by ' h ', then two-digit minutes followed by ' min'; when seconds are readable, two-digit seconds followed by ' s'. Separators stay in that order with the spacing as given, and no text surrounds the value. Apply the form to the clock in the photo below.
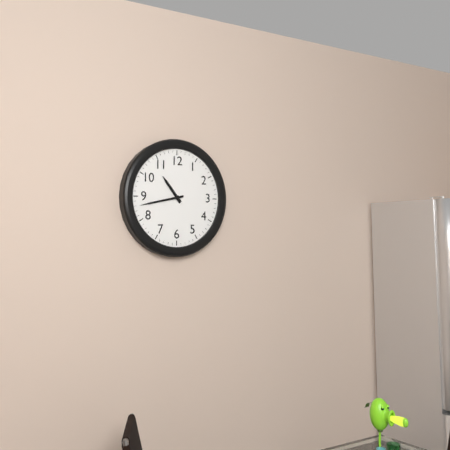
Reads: 10 h 43 min
